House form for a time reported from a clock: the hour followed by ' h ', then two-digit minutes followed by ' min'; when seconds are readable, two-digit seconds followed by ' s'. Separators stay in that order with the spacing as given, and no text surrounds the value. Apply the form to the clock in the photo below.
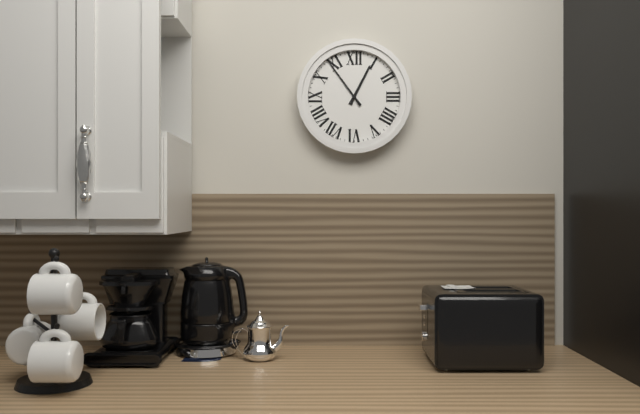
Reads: 12 h 54 min
